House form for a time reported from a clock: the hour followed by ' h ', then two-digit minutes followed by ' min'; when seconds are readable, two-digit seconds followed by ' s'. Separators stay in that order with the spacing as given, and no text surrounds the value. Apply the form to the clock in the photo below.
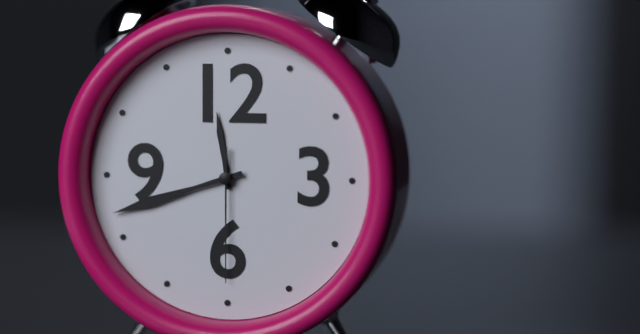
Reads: 11 h 42 min 30 s
